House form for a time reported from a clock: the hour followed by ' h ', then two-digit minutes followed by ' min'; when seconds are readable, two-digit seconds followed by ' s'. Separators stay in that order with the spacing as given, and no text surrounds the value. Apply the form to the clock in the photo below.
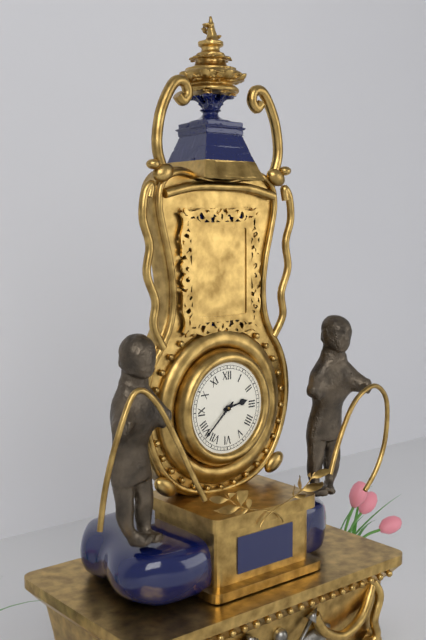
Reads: 2 h 38 min
